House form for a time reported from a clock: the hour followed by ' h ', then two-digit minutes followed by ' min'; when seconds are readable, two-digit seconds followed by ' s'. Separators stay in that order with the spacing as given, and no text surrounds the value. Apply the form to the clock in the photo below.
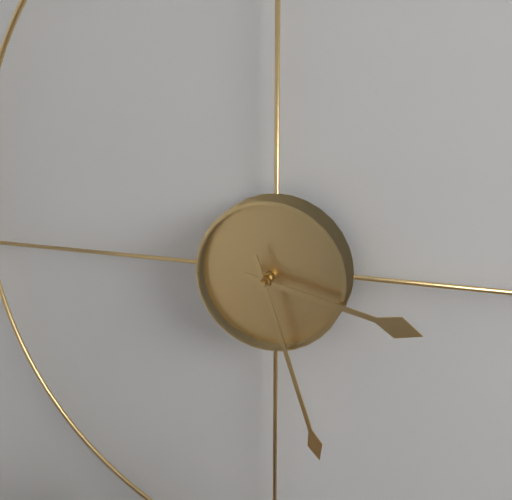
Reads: 3 h 27 min
